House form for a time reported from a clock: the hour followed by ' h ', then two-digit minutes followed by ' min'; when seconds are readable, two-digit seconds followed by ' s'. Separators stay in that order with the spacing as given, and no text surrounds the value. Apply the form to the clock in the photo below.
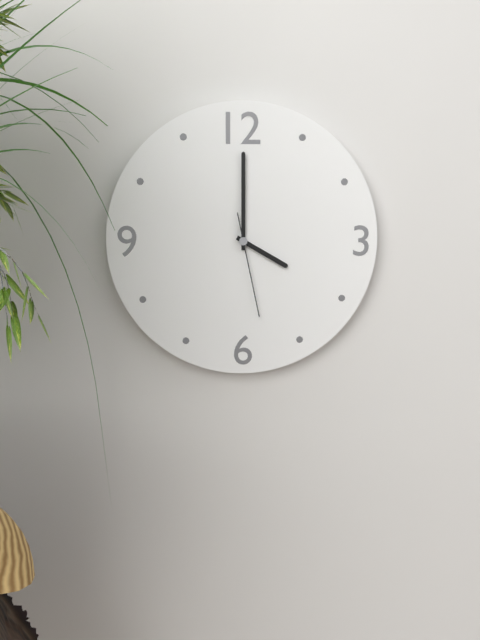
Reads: 4 h 00 min 28 s
